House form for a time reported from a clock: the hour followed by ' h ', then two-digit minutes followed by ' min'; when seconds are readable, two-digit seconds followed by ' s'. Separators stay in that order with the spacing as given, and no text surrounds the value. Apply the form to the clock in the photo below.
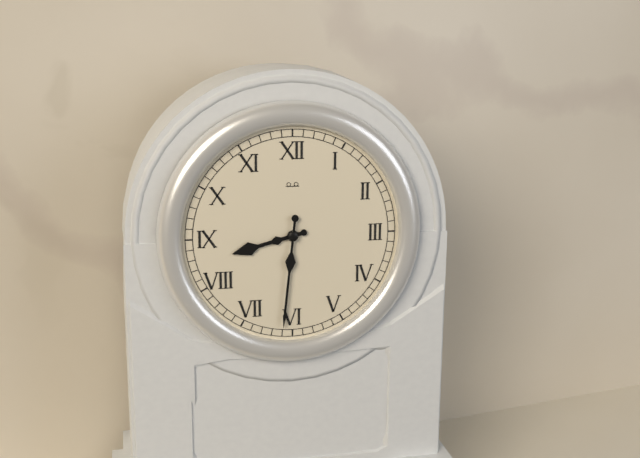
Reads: 8 h 31 min
